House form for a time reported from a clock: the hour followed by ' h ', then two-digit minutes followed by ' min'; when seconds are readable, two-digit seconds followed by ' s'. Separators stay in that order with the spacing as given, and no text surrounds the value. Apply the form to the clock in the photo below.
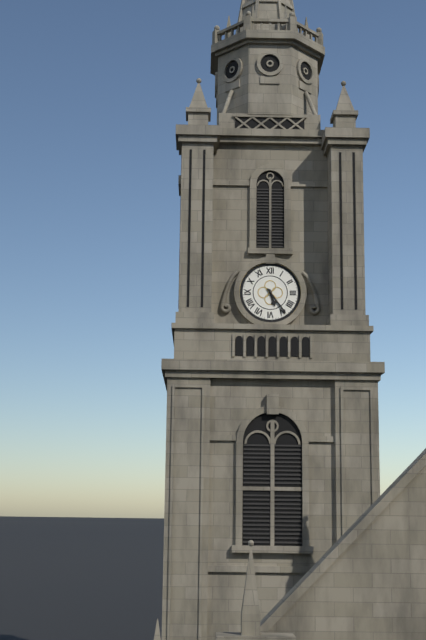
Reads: 5 h 24 min
